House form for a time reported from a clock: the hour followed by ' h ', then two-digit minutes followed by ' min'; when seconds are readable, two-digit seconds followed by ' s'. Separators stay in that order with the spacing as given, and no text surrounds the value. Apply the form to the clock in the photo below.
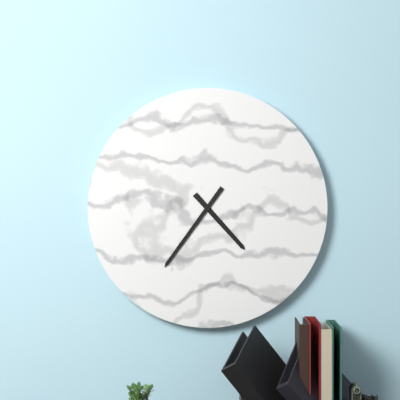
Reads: 4 h 36 min
